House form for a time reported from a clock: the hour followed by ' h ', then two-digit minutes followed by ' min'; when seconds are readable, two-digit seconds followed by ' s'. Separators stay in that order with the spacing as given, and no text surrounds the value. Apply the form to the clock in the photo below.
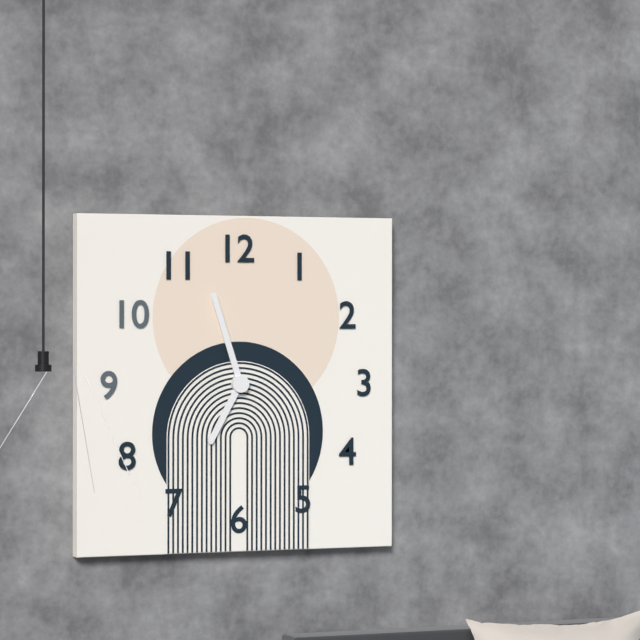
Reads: 6 h 57 min
